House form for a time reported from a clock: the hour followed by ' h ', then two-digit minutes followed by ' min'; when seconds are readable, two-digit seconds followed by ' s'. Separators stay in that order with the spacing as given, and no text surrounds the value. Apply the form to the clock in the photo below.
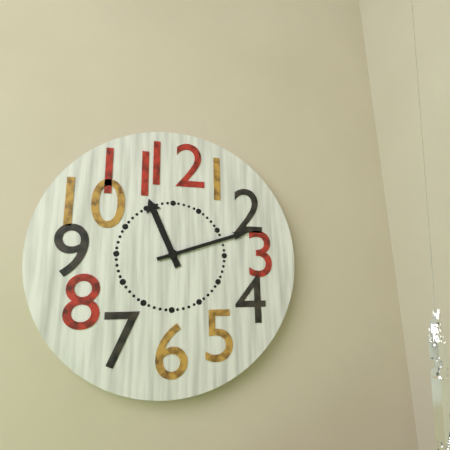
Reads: 11 h 12 min
